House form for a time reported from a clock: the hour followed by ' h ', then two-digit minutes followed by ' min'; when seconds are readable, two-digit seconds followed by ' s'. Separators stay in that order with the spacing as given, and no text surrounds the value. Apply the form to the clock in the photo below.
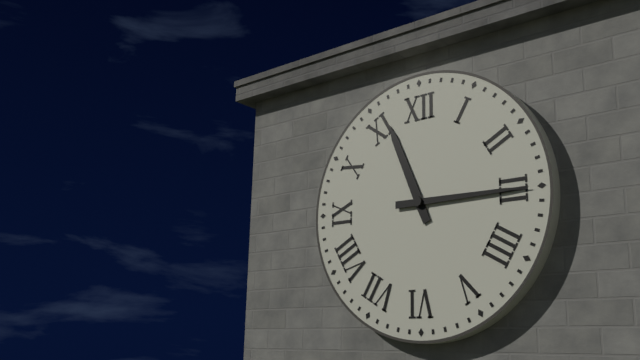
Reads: 11 h 15 min
